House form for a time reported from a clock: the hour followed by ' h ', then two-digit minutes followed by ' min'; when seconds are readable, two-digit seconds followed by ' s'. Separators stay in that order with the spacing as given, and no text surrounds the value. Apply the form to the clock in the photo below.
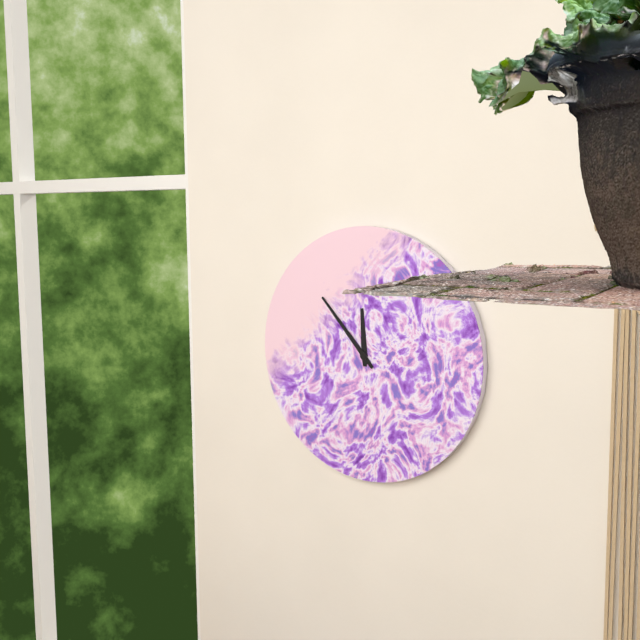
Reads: 11 h 53 min
